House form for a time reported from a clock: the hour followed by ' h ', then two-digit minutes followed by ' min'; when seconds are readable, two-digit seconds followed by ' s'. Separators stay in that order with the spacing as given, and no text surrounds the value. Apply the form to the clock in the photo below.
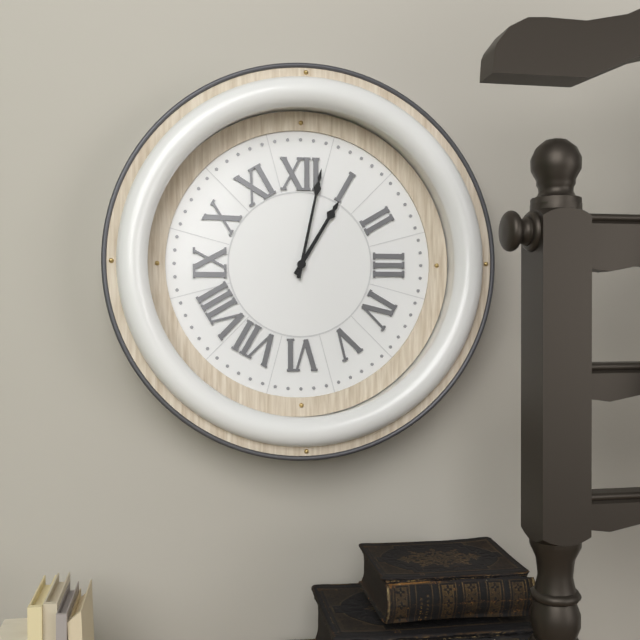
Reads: 1 h 02 min
